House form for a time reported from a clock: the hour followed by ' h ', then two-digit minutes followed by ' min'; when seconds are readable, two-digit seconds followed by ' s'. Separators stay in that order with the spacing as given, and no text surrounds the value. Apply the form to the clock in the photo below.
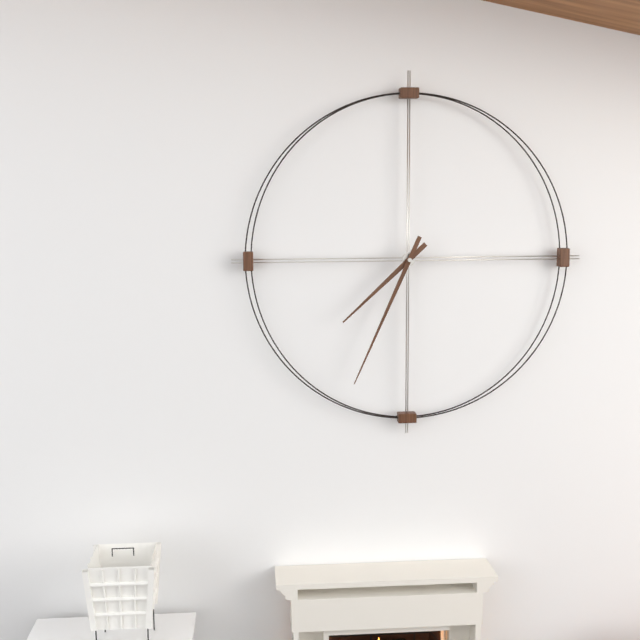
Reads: 7 h 34 min
